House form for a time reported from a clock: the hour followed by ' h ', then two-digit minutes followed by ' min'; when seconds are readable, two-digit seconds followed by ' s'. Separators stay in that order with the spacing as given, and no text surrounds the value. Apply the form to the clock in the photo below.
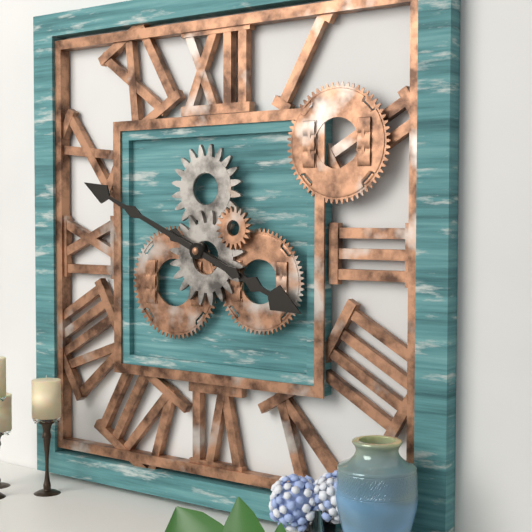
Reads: 3 h 49 min
